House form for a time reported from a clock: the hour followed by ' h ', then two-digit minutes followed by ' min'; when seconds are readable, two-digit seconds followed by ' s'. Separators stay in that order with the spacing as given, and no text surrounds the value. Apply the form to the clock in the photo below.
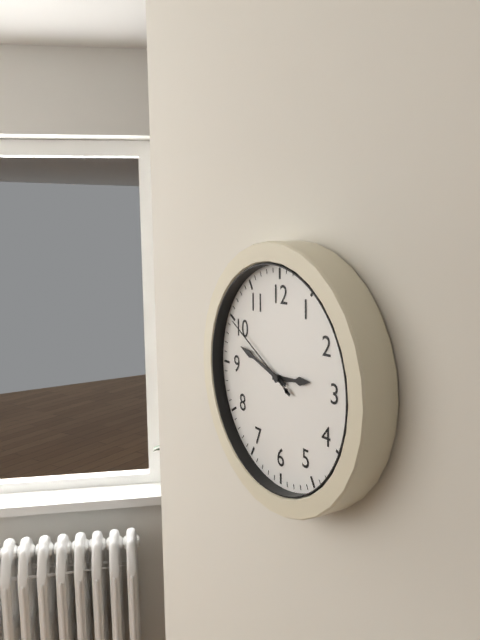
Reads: 2 h 48 min 50 s
